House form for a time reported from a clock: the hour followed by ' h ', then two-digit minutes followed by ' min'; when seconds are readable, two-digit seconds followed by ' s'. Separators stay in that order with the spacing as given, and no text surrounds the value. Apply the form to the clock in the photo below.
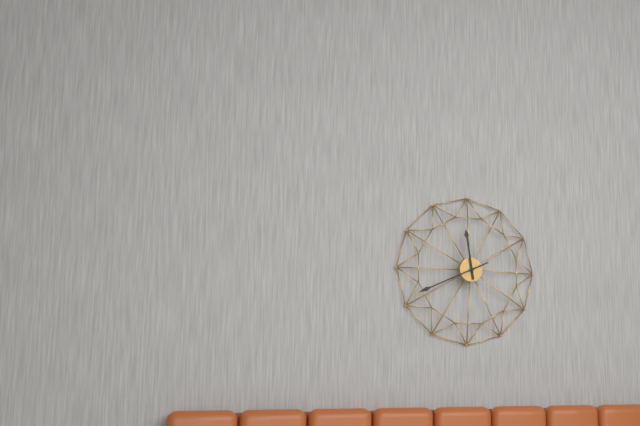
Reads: 11 h 41 min
